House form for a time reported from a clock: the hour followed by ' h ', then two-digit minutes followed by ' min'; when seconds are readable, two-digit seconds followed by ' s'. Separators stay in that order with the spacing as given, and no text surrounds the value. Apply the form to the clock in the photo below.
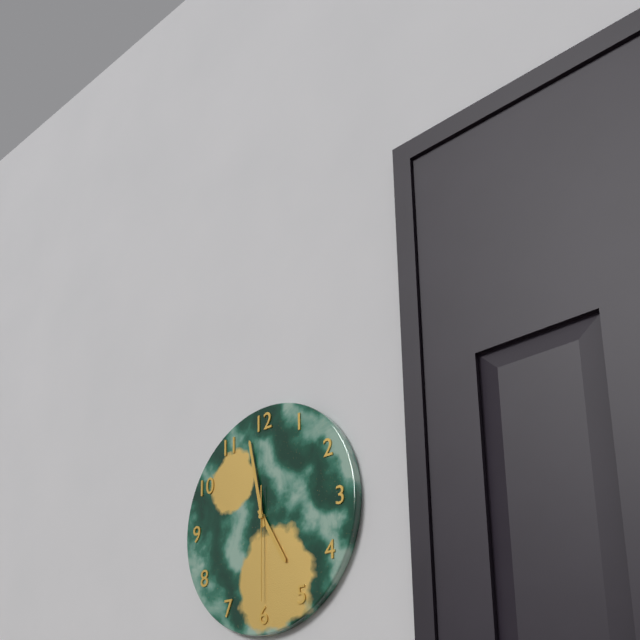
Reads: 4 h 58 min 30 s
